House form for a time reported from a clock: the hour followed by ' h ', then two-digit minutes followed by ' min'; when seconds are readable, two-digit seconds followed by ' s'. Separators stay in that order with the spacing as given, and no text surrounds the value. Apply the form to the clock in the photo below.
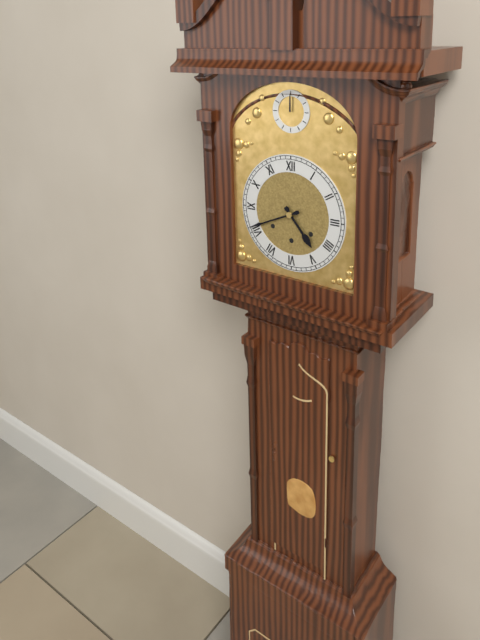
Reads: 4 h 41 min
